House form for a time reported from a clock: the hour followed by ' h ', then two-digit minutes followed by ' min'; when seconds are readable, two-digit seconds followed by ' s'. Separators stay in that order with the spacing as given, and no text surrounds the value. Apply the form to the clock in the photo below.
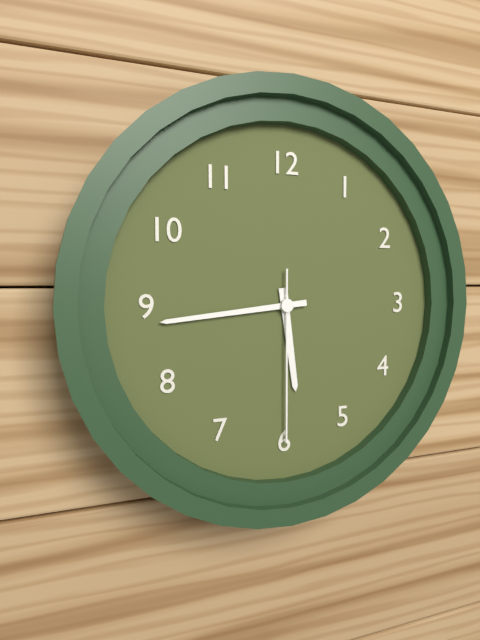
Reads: 5 h 44 min 30 s
